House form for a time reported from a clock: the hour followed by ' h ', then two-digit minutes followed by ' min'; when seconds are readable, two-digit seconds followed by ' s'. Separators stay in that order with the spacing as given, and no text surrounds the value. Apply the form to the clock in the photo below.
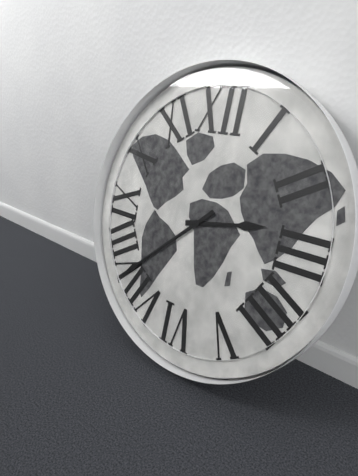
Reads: 2 h 38 min
